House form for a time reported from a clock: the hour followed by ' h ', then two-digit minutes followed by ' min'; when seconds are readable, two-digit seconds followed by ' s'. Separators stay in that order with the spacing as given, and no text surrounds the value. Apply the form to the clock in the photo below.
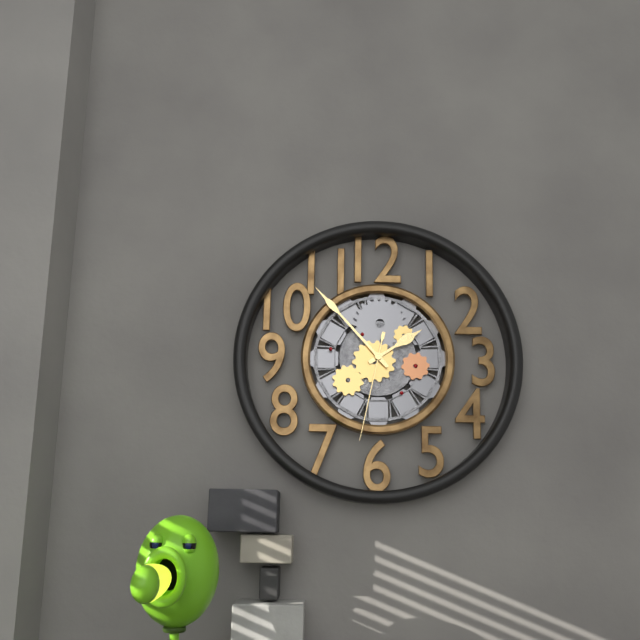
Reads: 1 h 53 min 32 s
